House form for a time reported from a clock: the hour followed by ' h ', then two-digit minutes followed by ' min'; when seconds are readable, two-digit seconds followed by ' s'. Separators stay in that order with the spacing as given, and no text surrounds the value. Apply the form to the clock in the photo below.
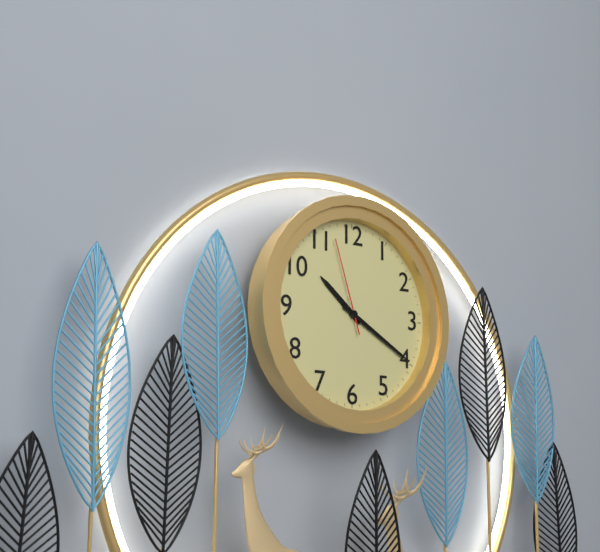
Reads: 10 h 20 min 57 s
